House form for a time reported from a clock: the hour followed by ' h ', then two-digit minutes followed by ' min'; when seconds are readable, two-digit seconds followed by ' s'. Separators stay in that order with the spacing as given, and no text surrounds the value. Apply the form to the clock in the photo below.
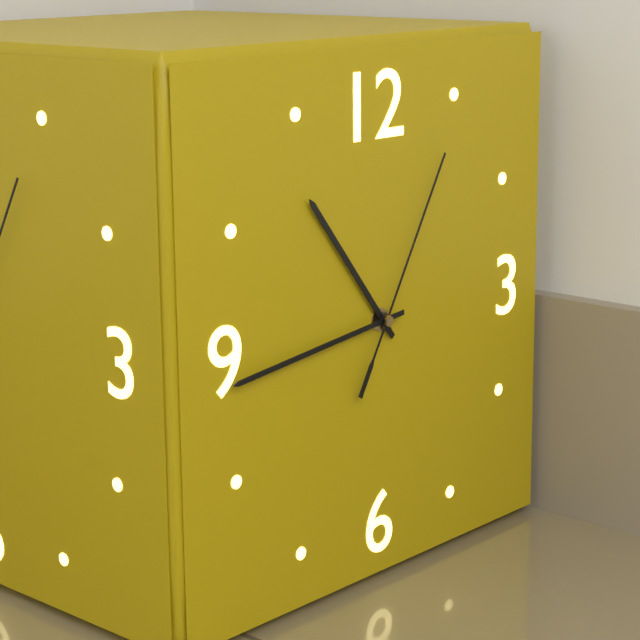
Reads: 10 h 44 min 05 s
